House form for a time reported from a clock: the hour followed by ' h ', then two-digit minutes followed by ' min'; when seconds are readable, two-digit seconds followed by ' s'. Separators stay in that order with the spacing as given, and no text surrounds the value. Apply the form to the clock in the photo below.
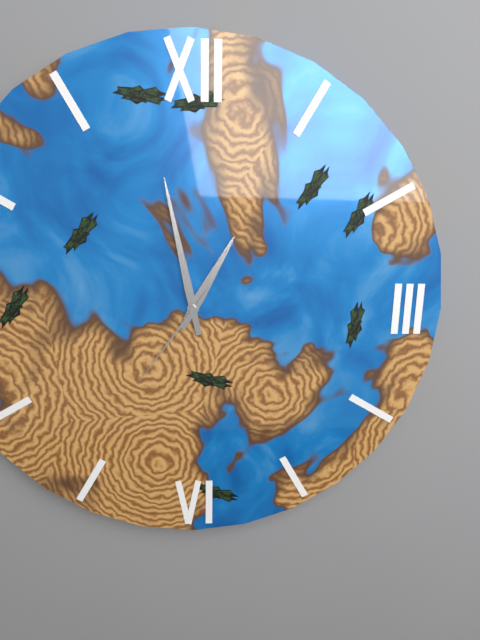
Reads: 12 h 58 min 36 s
